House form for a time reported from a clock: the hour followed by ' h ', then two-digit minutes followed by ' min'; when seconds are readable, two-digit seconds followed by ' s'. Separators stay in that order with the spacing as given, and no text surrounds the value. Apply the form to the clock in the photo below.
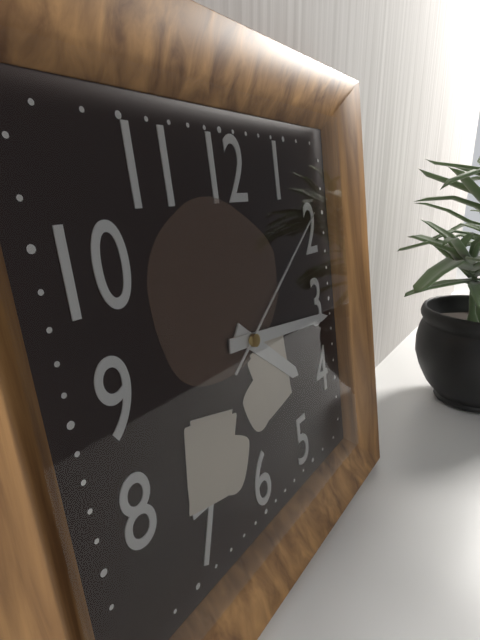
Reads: 4 h 16 min 09 s
